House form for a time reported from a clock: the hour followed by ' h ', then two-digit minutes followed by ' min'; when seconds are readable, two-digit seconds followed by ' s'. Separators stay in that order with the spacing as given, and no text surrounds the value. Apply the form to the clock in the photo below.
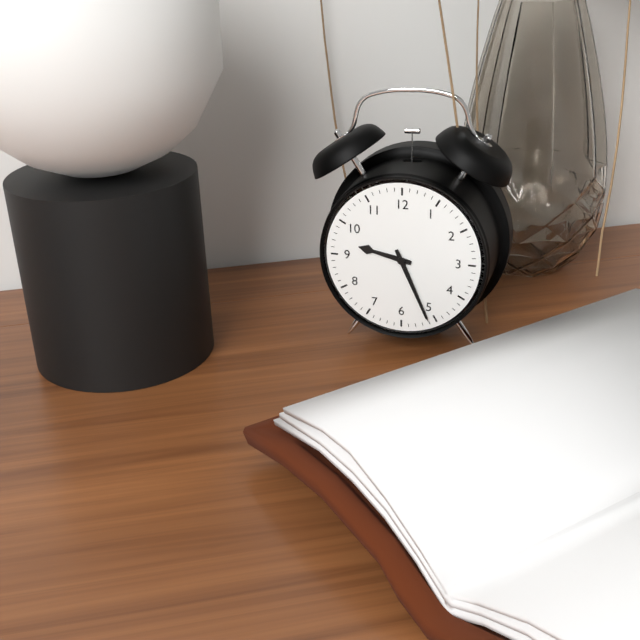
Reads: 9 h 26 min
